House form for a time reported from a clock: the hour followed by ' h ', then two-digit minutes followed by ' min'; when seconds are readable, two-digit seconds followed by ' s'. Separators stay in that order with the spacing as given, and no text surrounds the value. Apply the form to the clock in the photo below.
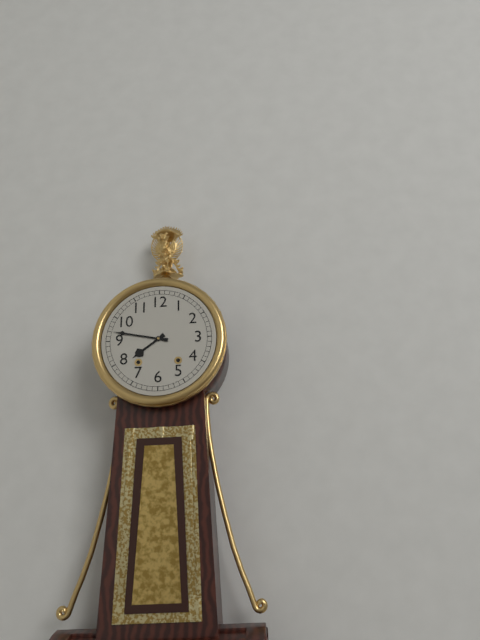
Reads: 7 h 47 min
